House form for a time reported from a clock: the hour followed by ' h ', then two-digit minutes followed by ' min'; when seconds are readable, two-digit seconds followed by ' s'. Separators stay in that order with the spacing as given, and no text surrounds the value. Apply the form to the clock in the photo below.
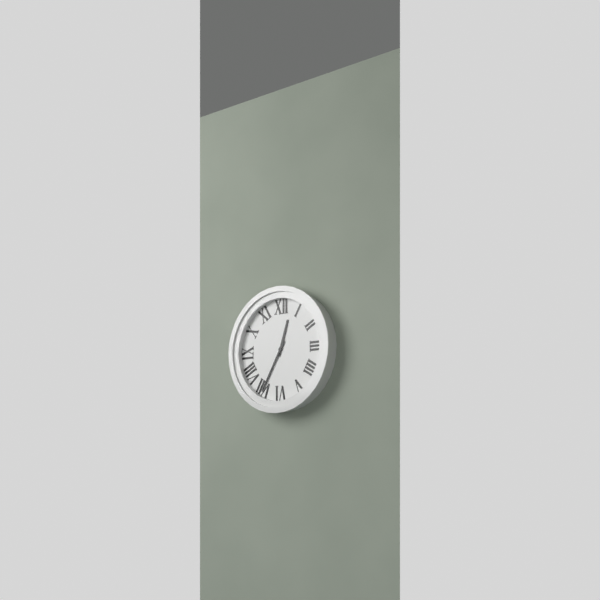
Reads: 12 h 35 min
